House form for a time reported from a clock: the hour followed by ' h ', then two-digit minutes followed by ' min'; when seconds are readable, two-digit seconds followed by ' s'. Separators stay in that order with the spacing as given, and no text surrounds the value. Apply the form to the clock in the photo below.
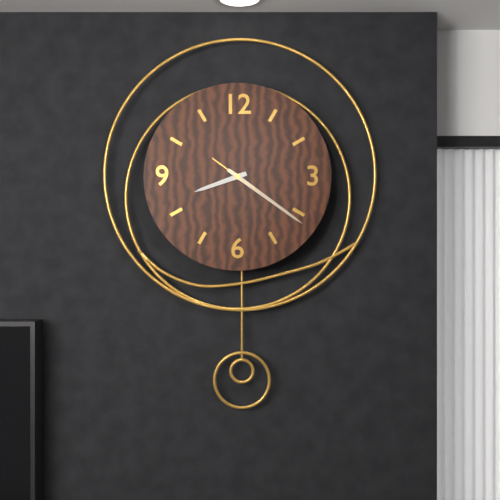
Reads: 8 h 21 min 21 s
